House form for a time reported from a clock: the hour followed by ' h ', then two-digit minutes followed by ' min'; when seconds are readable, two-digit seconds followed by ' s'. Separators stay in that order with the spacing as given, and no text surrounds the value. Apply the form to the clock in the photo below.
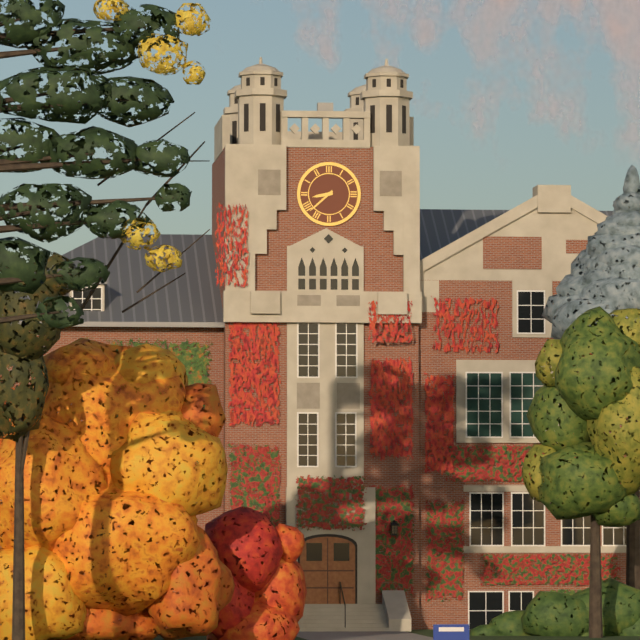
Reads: 8 h 38 min
